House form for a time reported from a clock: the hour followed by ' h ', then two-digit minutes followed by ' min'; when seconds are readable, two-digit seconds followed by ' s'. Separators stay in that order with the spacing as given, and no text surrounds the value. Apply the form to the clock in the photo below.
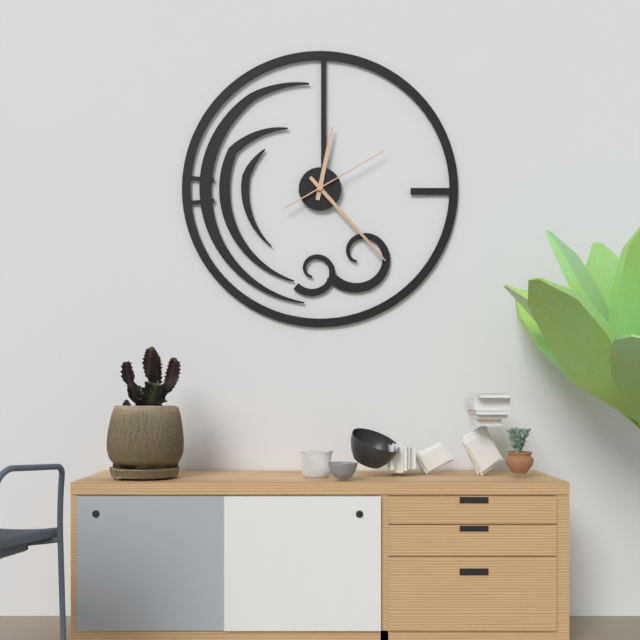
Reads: 12 h 23 min 10 s
